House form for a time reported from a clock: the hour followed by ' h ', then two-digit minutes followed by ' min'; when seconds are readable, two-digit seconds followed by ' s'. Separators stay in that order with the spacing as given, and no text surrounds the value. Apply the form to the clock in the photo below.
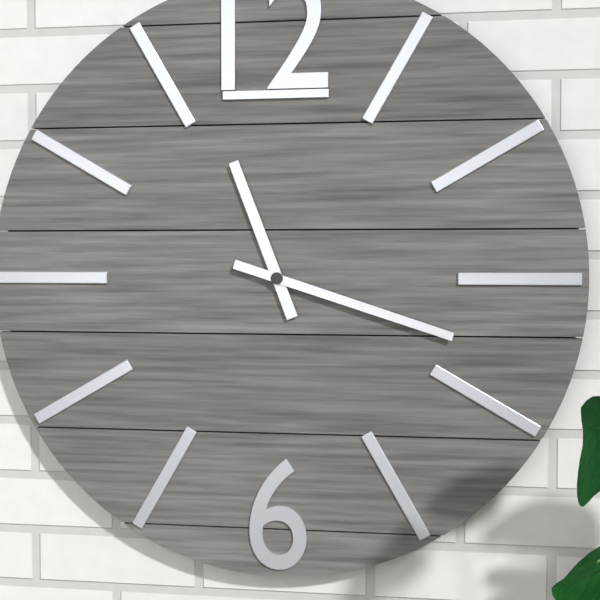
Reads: 11 h 18 min
